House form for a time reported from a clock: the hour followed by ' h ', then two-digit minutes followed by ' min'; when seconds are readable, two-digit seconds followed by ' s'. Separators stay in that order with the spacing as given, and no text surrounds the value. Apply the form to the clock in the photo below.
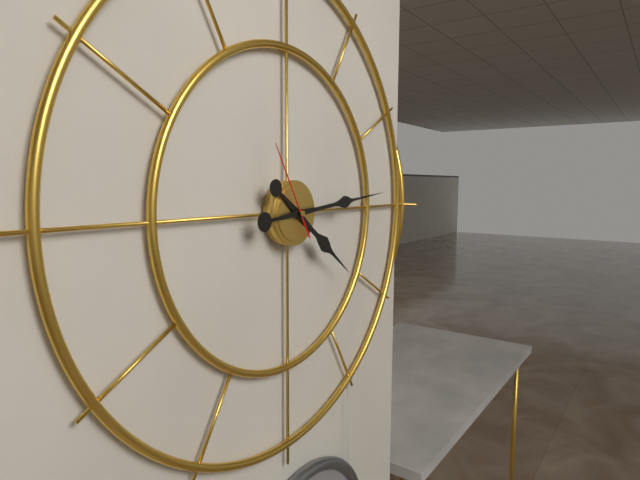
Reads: 4 h 14 min 55 s
